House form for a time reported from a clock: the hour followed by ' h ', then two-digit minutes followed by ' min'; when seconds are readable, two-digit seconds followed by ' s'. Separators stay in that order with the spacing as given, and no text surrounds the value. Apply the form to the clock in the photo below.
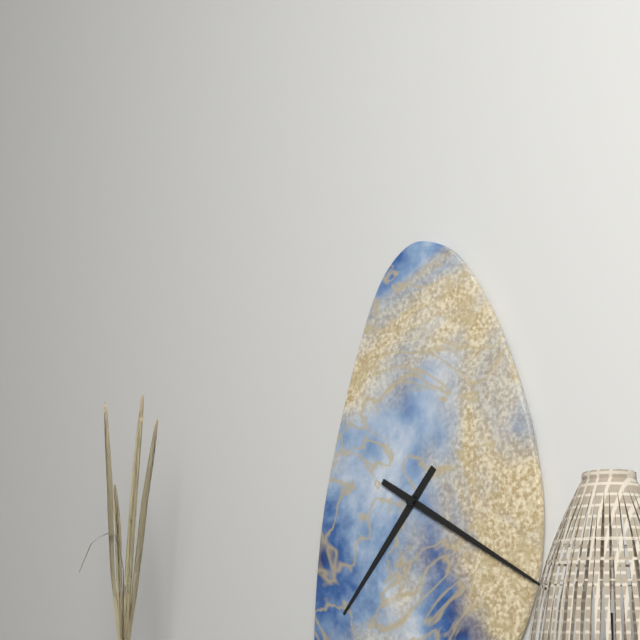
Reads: 7 h 20 min
